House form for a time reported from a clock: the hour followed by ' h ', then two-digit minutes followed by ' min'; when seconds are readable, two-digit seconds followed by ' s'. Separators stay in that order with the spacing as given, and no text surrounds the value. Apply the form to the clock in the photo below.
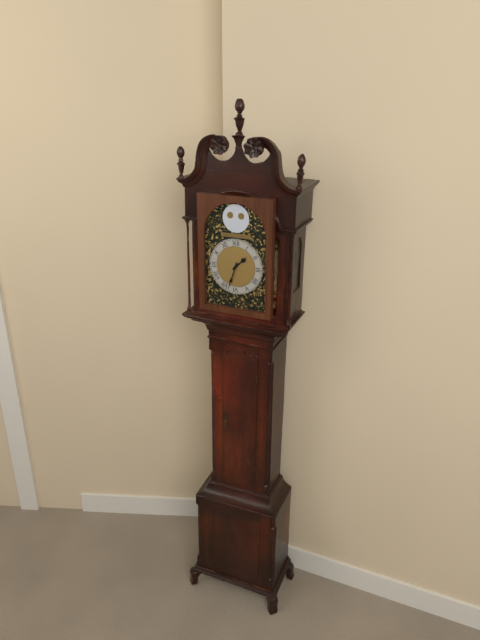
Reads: 1 h 33 min
